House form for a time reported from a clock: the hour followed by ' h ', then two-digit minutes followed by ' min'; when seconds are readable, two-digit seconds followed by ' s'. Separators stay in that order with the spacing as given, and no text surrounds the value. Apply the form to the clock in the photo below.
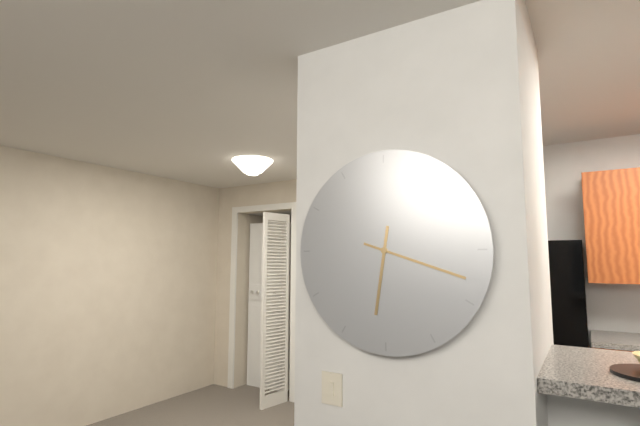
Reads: 6 h 18 min
